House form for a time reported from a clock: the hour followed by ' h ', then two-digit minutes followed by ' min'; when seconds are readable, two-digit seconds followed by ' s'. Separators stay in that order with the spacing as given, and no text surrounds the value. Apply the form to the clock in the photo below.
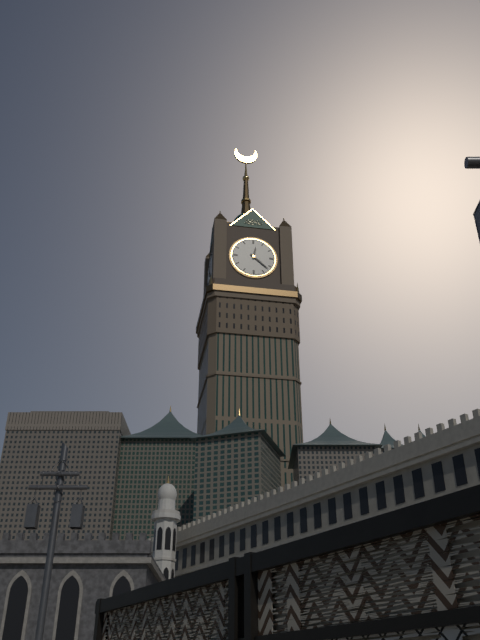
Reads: 12 h 22 min
